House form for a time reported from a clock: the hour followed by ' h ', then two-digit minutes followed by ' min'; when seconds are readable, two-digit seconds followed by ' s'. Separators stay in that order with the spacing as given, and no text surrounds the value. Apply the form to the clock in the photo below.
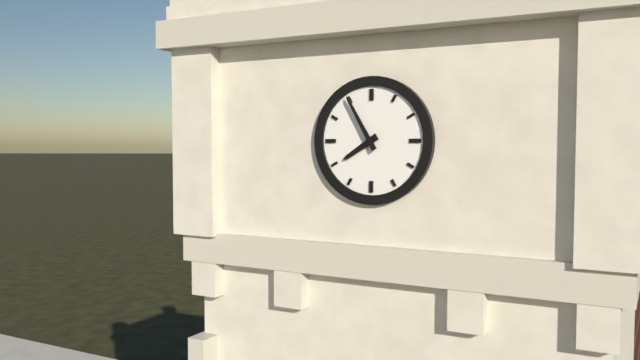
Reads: 7 h 55 min
